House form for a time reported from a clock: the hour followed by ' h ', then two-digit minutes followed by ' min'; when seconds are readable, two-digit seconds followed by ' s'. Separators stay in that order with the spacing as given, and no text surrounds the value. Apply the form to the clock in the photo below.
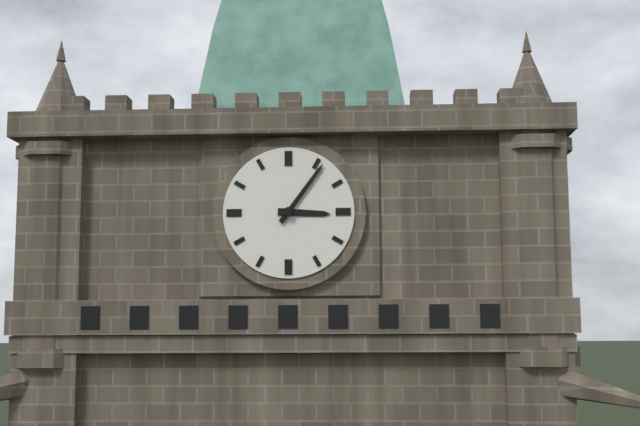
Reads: 3 h 06 min
